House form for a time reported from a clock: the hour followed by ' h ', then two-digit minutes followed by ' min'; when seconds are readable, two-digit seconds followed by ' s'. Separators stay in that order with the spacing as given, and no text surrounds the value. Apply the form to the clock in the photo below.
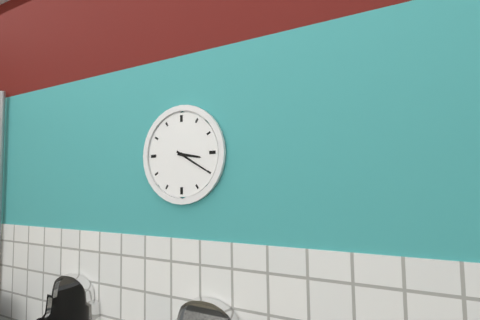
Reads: 3 h 20 min
